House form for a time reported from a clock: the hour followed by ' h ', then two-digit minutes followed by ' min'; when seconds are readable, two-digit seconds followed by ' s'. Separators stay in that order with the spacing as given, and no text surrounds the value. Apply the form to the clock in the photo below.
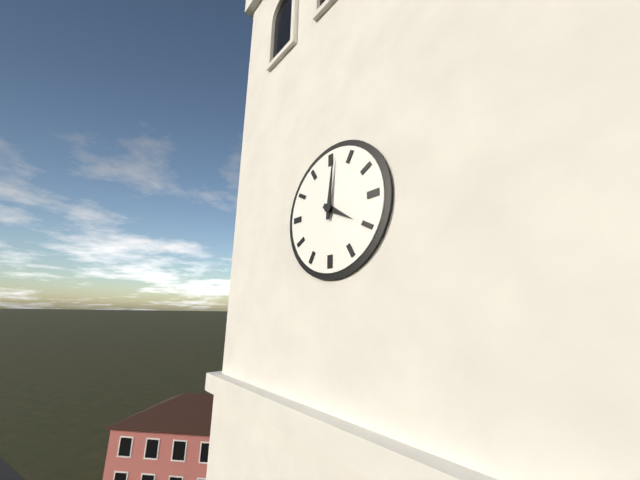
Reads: 4 h 01 min
